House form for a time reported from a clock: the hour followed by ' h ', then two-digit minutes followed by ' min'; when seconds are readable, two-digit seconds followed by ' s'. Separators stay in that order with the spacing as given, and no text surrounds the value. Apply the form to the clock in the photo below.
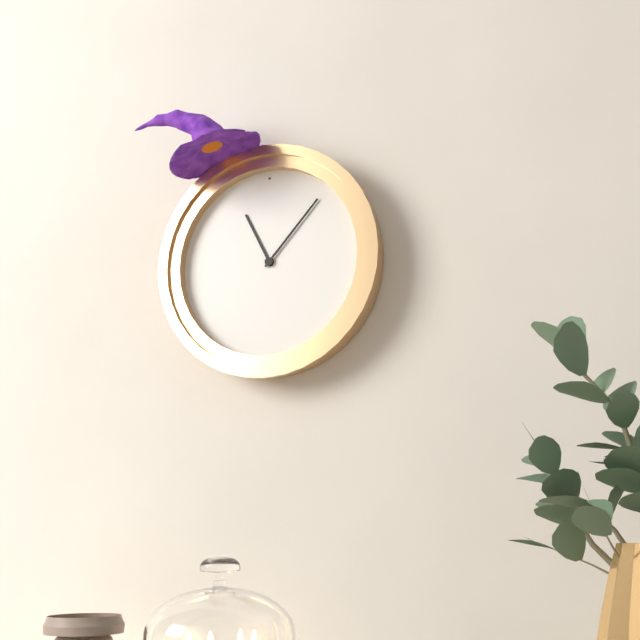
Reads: 11 h 07 min
